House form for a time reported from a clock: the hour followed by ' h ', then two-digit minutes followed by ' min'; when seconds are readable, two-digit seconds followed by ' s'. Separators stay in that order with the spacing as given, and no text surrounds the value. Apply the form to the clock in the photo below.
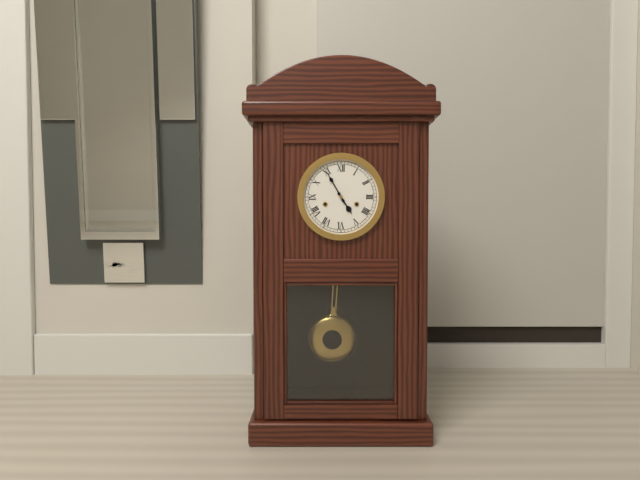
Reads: 4 h 55 min
